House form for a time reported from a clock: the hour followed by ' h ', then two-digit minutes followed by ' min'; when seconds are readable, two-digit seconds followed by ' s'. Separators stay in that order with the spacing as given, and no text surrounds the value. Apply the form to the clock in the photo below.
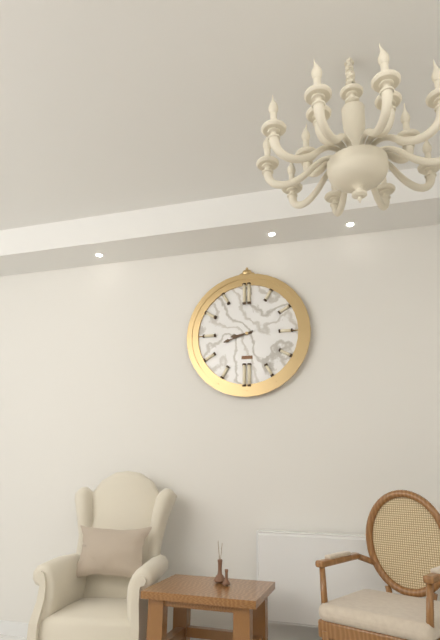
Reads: 8 h 42 min
